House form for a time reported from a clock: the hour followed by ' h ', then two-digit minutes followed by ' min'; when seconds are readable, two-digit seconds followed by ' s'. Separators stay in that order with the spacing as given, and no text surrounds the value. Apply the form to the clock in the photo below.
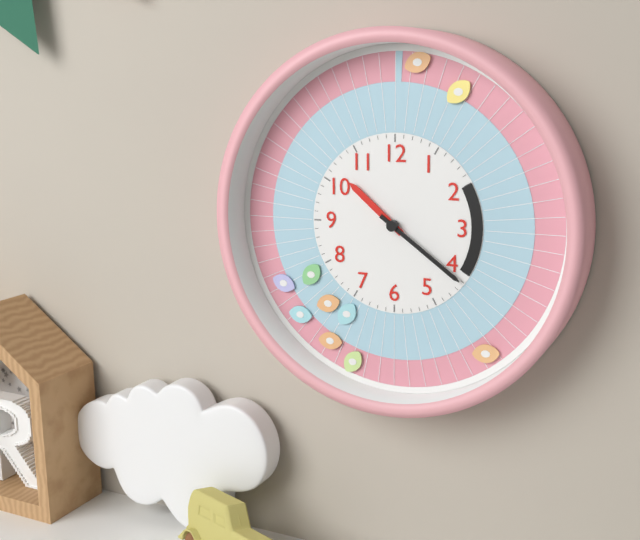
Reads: 10 h 21 min
